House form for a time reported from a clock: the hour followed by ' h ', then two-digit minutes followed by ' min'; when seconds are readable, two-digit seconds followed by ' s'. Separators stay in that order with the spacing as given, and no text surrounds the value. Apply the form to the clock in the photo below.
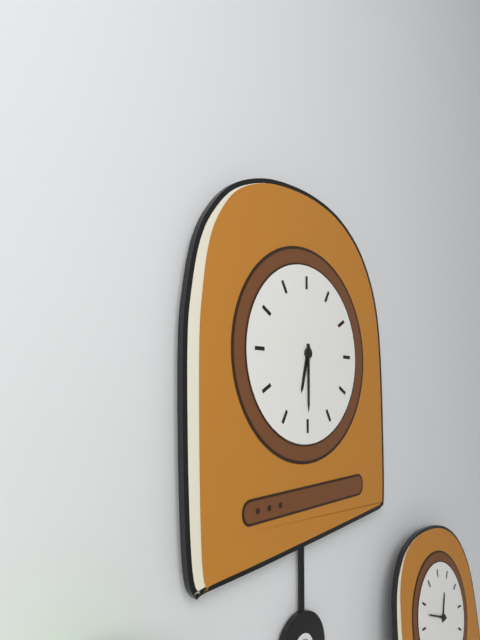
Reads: 6 h 30 min
